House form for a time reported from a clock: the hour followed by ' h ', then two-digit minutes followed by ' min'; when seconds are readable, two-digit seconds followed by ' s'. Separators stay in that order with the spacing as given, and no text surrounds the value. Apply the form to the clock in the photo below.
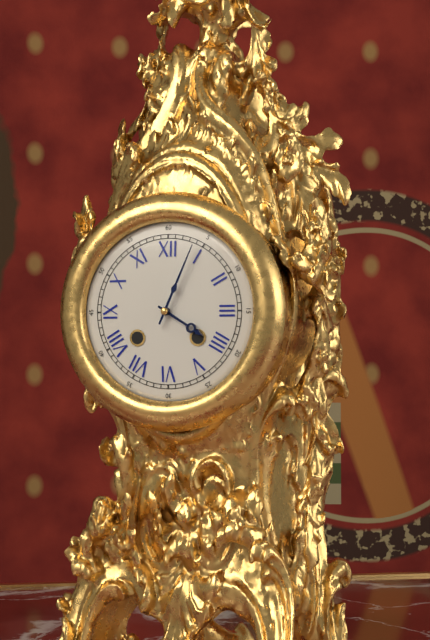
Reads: 4 h 04 min
